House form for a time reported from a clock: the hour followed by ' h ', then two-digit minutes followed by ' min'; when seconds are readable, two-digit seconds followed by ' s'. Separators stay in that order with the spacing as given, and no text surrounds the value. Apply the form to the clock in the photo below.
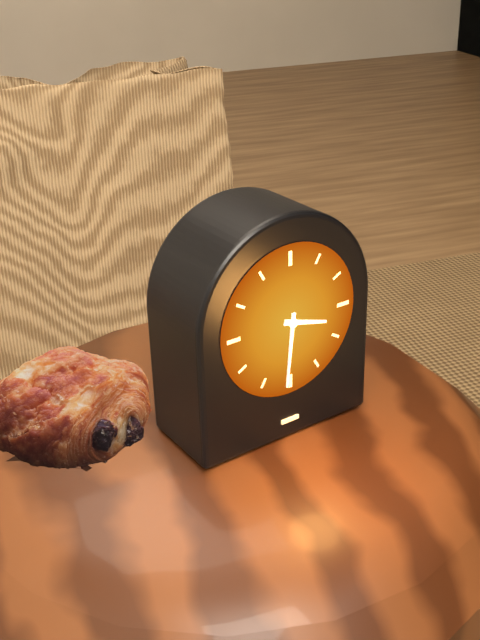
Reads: 3 h 31 min
